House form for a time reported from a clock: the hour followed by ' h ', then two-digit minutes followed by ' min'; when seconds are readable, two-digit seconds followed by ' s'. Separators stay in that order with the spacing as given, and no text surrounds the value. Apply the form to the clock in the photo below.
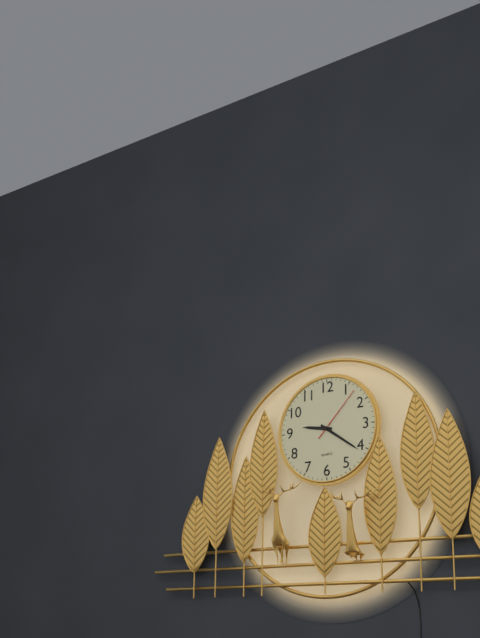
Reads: 9 h 21 min 07 s
